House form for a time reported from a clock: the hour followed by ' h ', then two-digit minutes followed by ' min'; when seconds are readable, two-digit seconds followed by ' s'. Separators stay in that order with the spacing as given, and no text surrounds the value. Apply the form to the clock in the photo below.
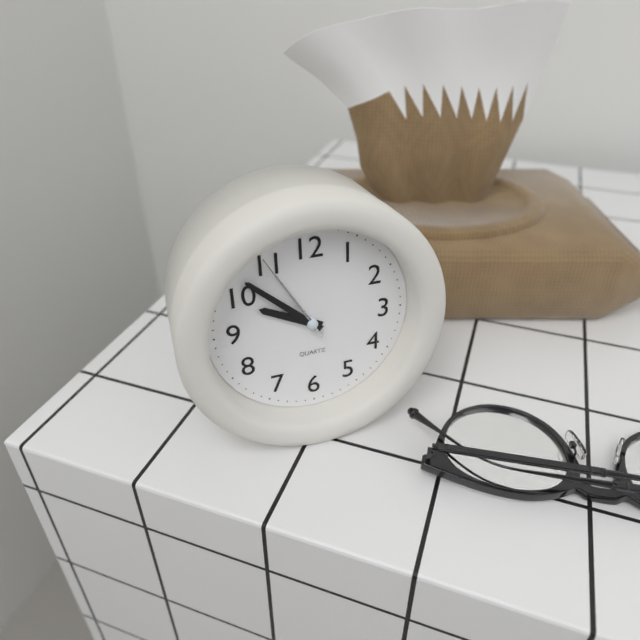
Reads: 9 h 52 min 55 s
